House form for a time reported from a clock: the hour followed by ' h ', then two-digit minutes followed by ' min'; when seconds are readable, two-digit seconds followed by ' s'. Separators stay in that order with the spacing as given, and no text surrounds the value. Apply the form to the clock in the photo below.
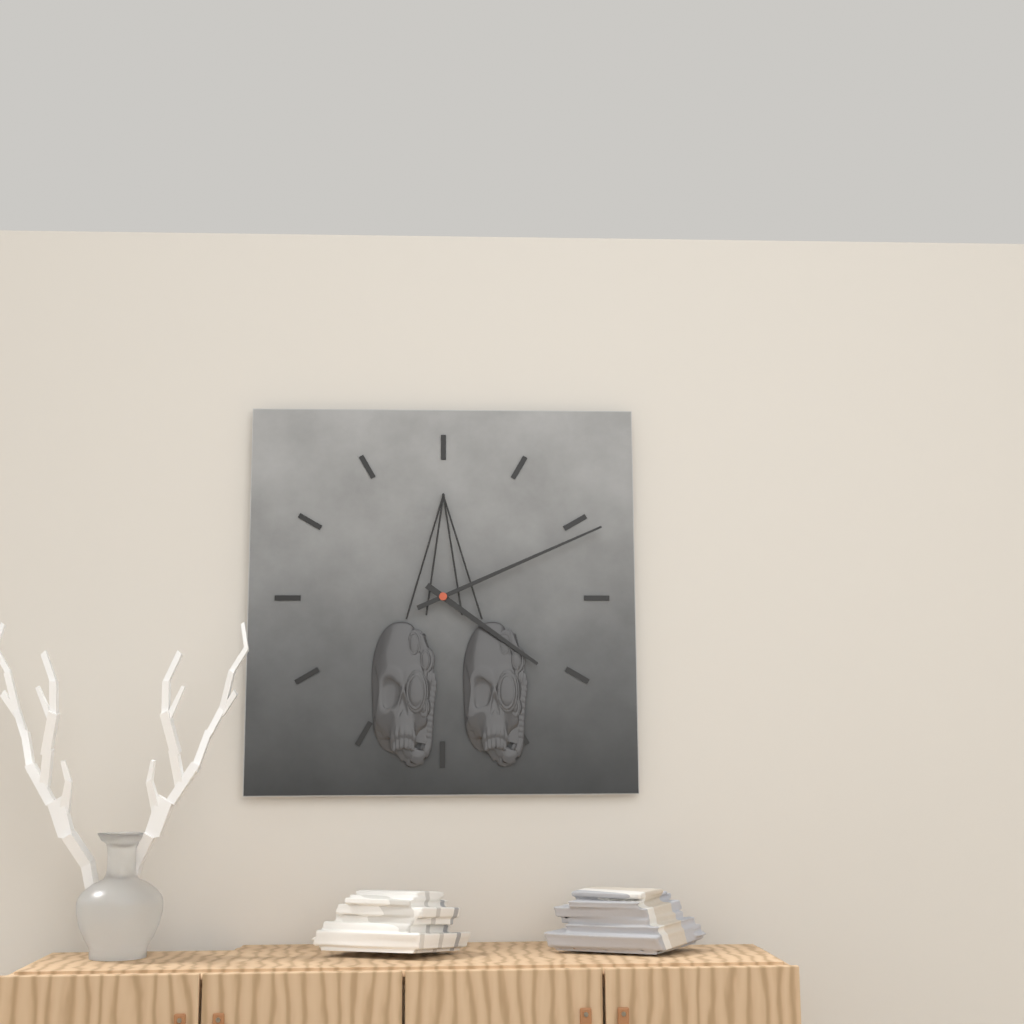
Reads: 4 h 11 min
